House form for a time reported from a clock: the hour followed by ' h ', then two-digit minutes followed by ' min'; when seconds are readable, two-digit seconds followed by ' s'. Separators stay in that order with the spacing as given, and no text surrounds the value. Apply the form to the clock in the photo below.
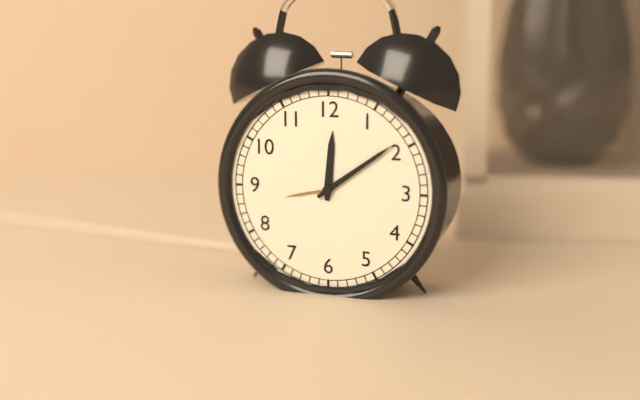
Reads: 12 h 09 min
